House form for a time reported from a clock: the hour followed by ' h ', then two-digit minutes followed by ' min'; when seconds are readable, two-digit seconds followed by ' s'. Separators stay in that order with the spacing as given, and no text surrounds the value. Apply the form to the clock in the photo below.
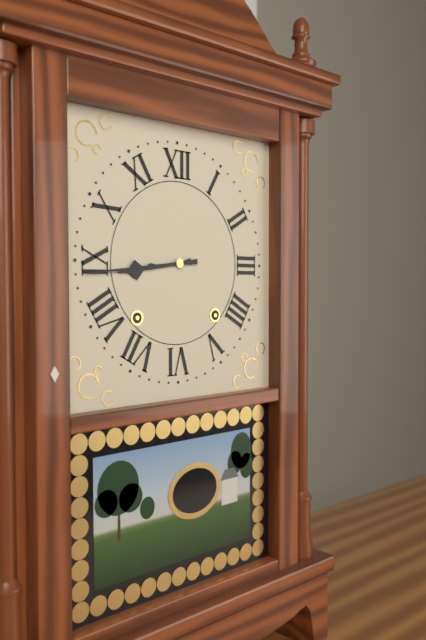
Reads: 8 h 44 min
